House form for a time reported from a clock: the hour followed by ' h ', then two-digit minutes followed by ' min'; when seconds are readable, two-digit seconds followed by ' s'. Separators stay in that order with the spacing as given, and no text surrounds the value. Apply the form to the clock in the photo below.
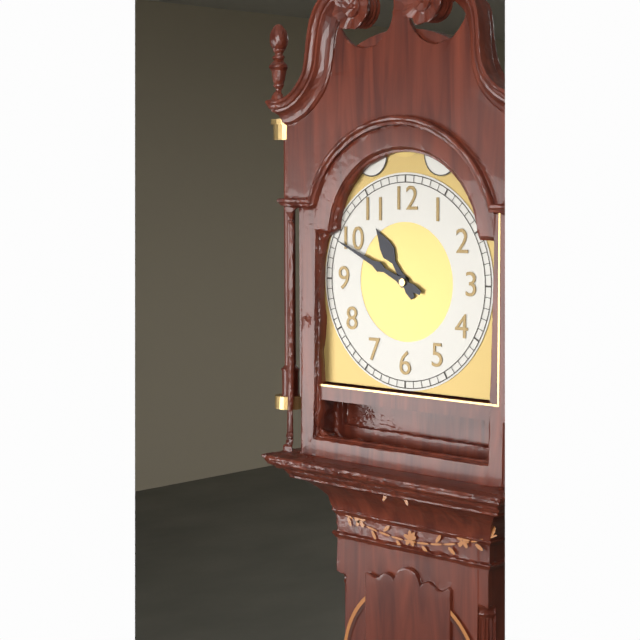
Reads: 10 h 49 min
